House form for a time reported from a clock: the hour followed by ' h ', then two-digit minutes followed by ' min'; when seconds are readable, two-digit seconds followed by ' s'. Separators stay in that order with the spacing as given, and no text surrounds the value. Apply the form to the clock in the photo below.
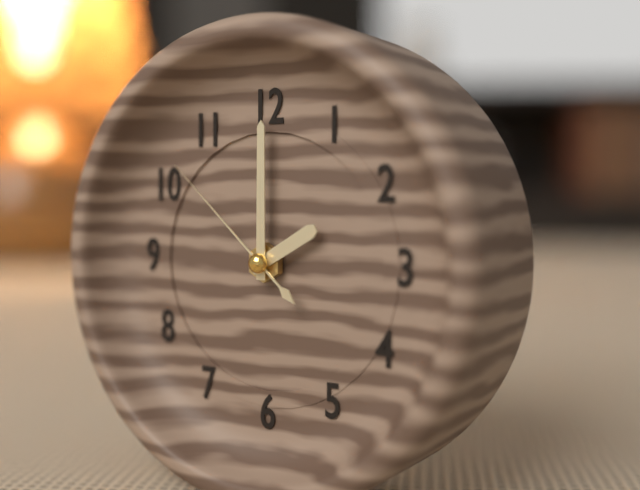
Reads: 2 h 00 min 52 s
